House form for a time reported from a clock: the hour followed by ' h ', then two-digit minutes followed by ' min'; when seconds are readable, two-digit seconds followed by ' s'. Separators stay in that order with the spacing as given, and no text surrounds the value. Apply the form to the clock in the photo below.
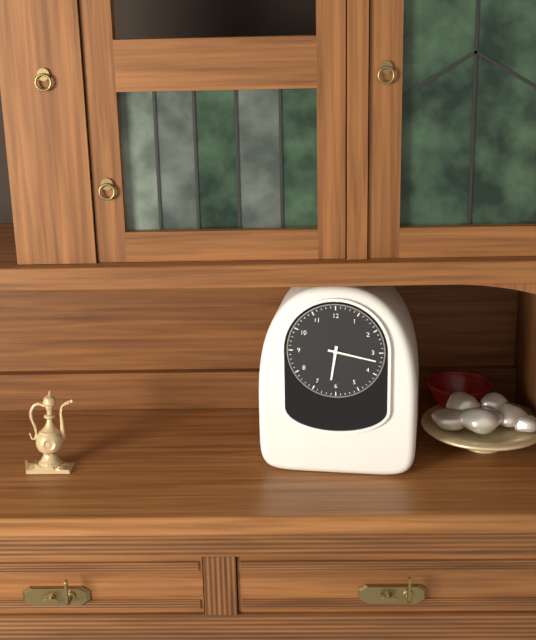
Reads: 6 h 17 min
